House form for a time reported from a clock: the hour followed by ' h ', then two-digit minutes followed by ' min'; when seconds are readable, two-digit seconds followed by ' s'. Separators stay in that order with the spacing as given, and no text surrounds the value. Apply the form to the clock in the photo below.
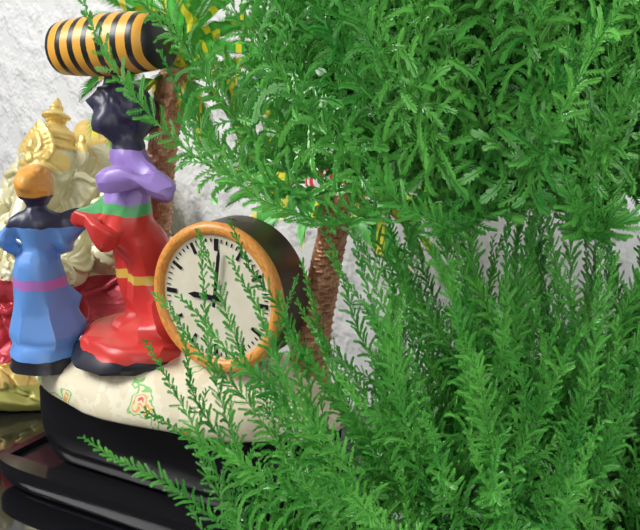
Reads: 9 h 01 min
